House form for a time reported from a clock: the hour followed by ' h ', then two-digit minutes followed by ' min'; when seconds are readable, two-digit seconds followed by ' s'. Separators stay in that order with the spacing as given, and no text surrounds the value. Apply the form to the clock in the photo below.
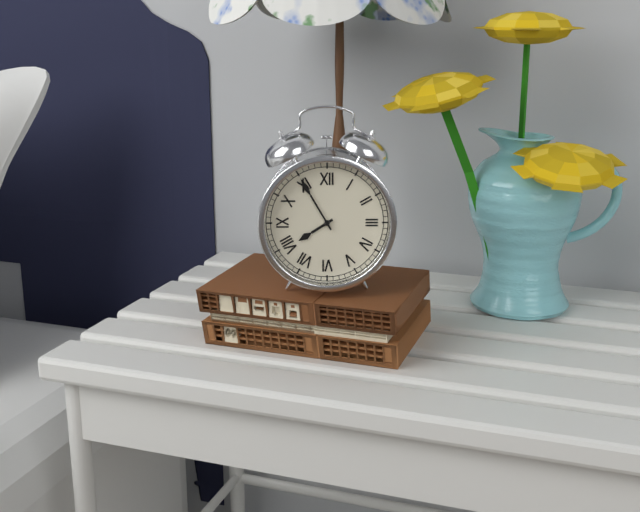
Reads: 7 h 55 min
